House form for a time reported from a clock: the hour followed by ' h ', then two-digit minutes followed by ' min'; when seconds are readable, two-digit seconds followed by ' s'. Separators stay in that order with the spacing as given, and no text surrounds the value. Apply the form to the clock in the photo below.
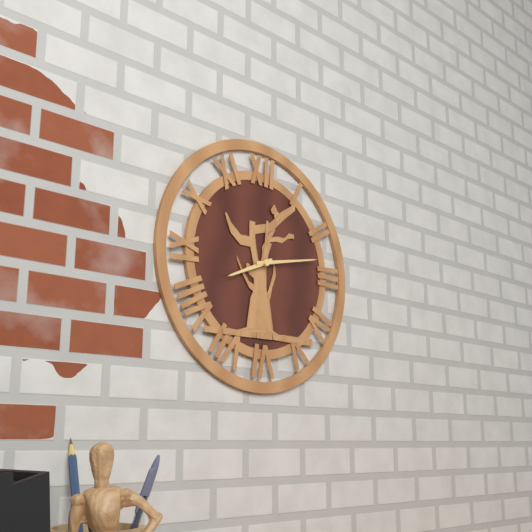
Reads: 8 h 13 min
